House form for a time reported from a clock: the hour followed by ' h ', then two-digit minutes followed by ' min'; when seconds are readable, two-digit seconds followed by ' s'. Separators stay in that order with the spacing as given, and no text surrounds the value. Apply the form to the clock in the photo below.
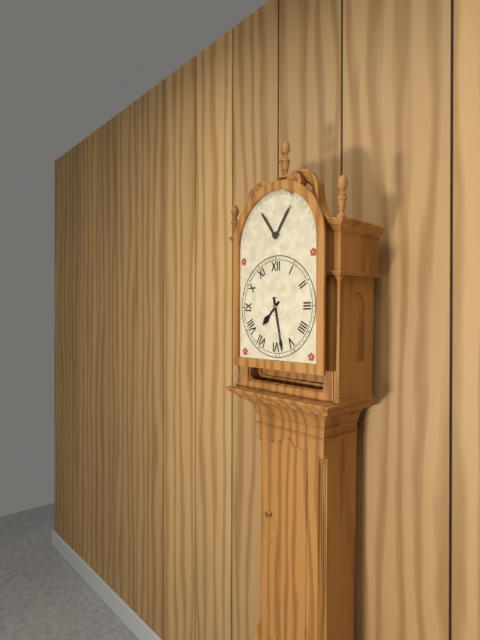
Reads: 7 h 28 min
